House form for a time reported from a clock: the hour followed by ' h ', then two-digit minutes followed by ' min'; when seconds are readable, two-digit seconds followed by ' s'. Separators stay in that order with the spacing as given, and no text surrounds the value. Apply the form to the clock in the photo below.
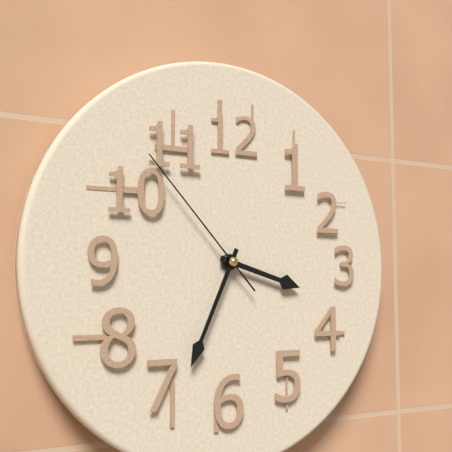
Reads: 3 h 34 min 53 s
